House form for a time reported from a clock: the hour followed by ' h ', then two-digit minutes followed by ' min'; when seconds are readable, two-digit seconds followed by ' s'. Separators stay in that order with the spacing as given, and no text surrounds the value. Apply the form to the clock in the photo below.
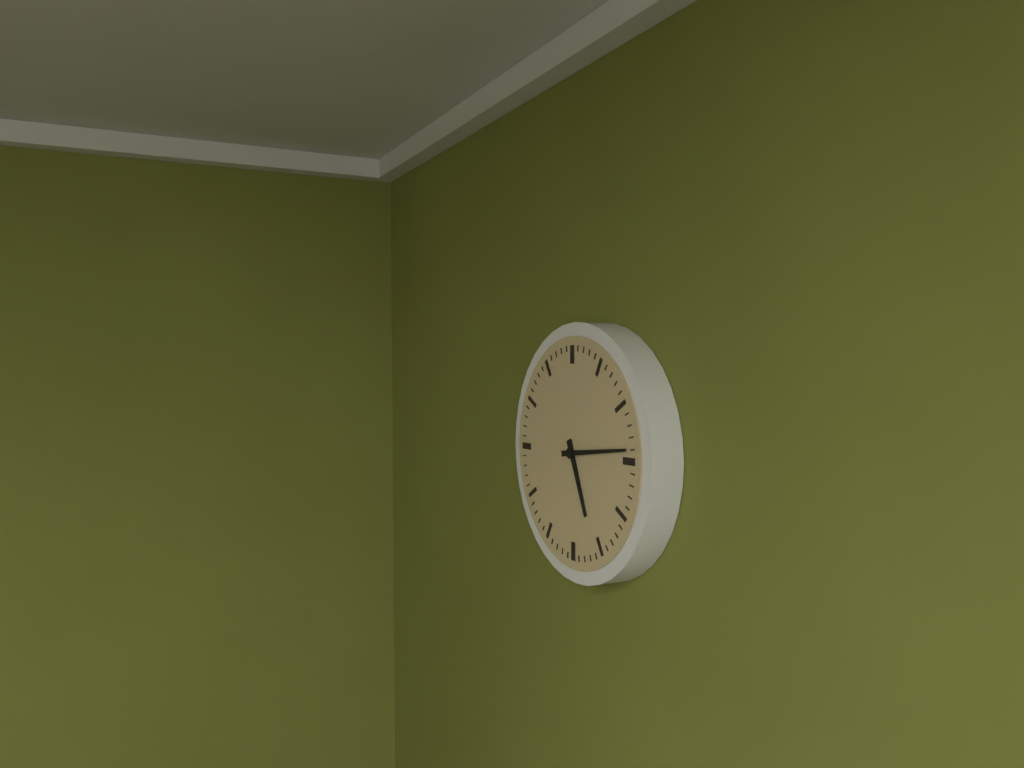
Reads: 5 h 14 min
